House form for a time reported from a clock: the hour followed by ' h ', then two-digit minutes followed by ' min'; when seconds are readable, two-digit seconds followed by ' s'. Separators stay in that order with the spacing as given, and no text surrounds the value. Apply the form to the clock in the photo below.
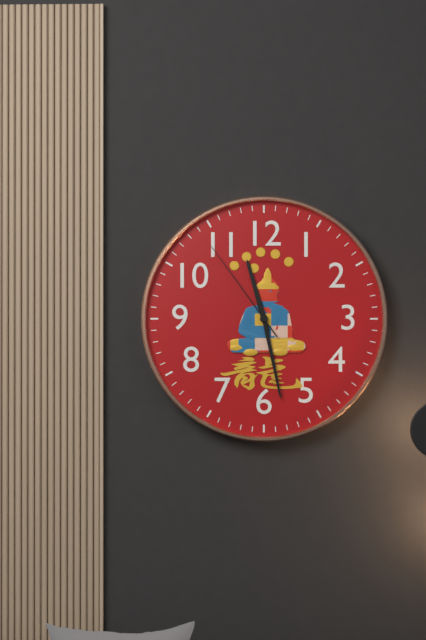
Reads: 11 h 28 min 54 s
